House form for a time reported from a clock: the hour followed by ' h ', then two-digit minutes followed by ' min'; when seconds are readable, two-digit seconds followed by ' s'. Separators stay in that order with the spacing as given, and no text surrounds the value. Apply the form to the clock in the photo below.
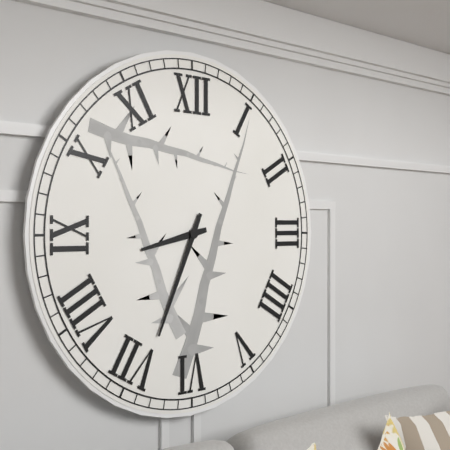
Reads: 8 h 34 min
